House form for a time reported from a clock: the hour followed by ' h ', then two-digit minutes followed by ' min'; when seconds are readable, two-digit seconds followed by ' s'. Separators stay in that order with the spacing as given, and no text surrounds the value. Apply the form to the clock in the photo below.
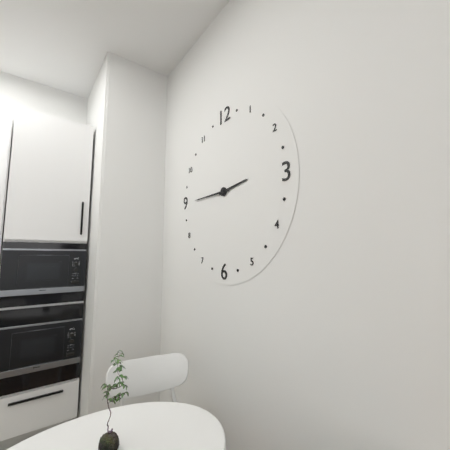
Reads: 2 h 45 min
